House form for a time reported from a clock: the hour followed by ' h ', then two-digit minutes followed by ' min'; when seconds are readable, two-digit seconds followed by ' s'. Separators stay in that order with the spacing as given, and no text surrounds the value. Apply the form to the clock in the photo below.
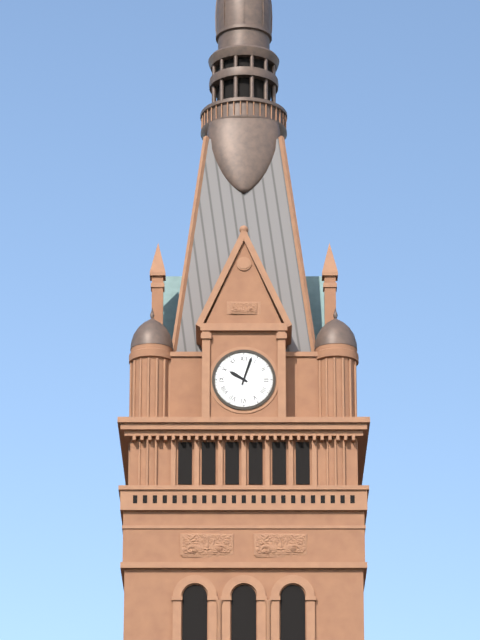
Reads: 10 h 03 min
